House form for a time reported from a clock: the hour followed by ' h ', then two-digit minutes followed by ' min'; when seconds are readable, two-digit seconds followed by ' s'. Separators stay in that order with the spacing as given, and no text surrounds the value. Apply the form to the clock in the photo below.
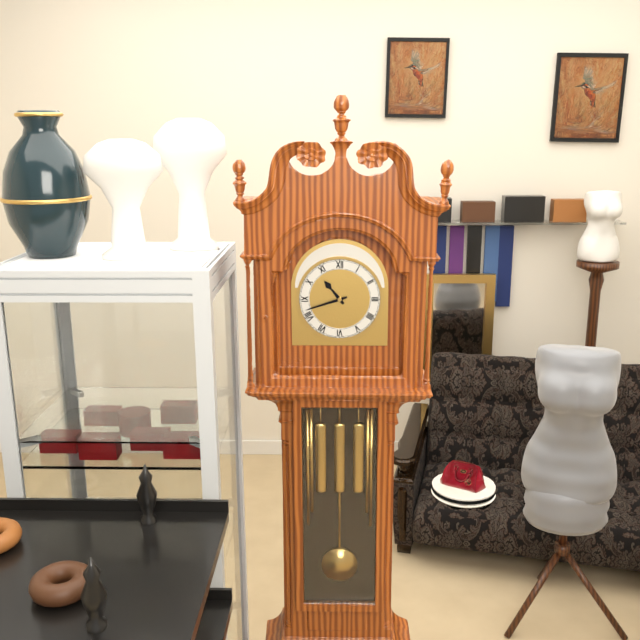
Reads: 10 h 42 min
